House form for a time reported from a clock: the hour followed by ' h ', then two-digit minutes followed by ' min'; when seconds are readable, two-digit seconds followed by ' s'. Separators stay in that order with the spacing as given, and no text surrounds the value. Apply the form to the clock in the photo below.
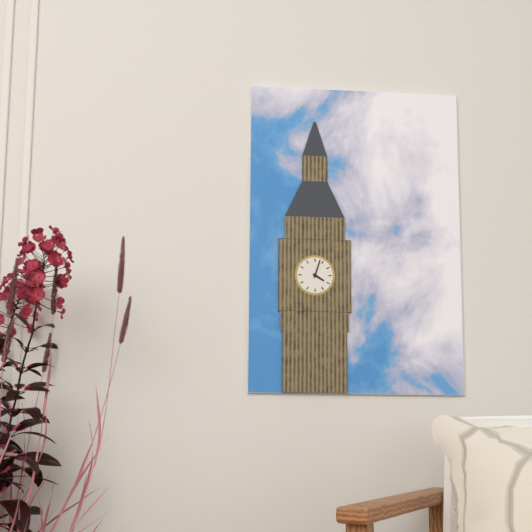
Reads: 4 h 03 min
